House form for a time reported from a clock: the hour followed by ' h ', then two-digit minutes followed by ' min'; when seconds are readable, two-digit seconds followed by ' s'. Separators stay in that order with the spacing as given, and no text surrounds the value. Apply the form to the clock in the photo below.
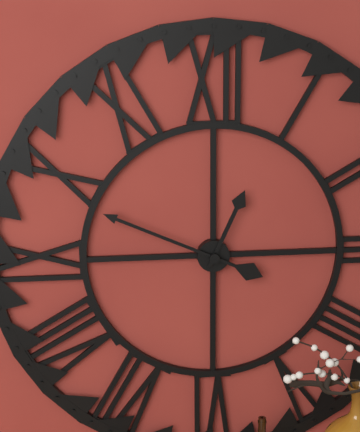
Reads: 12 h 49 min
